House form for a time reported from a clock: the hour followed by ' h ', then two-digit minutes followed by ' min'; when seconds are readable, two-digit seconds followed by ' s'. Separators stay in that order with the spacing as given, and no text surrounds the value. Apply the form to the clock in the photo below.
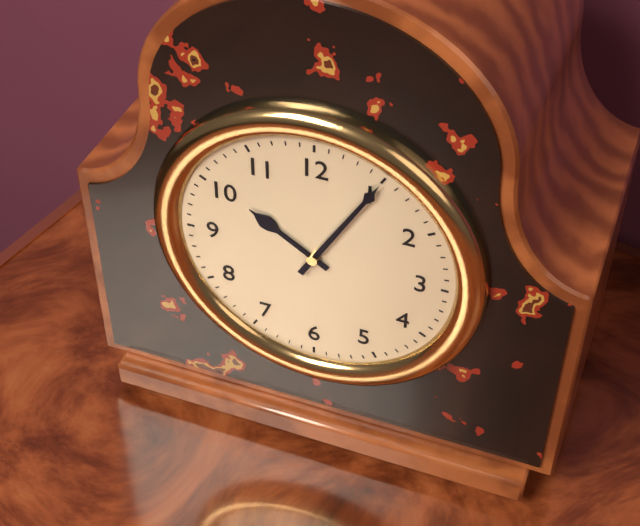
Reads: 10 h 05 min
